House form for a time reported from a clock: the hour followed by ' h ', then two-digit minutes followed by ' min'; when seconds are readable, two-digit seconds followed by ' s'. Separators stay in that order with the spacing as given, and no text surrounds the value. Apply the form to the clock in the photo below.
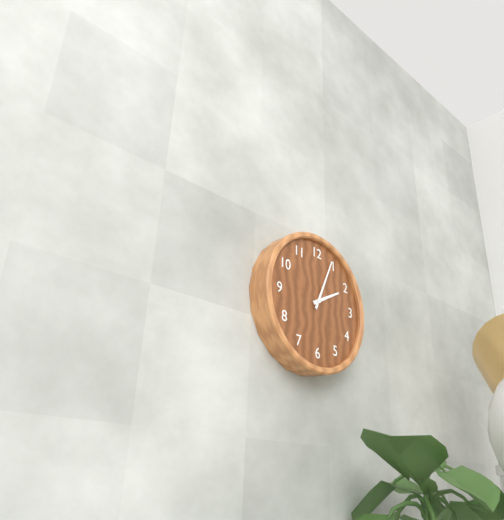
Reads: 2 h 04 min
